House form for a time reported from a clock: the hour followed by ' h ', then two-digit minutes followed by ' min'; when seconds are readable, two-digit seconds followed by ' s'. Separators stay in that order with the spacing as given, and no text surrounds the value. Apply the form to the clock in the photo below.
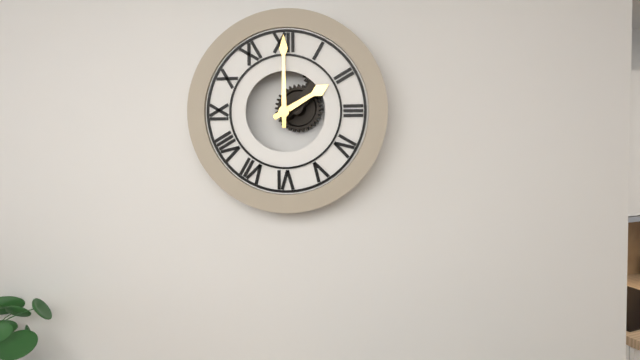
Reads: 2 h 00 min
